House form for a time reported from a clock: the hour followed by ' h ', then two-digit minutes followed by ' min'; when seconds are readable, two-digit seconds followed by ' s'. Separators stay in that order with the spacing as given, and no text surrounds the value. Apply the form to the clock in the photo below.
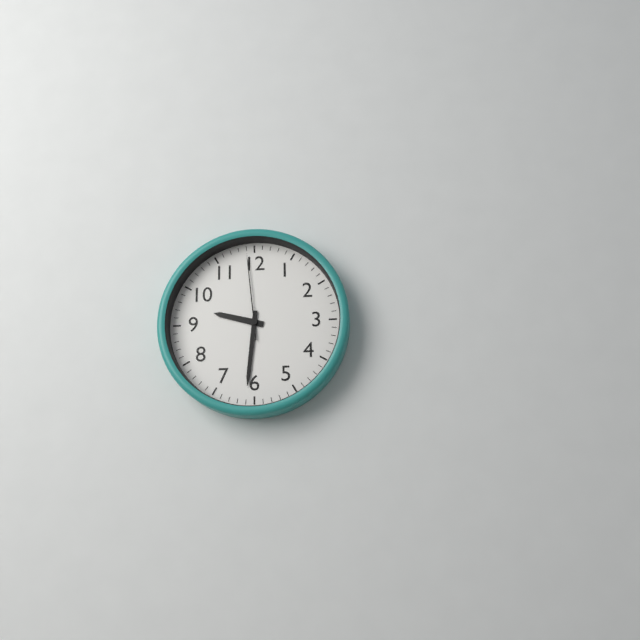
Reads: 9 h 31 min 59 s
